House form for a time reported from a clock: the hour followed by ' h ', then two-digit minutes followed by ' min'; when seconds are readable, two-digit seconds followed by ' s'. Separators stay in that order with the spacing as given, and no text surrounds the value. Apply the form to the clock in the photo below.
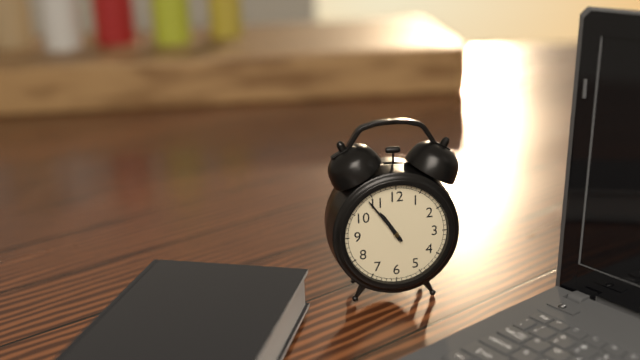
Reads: 10 h 54 min
